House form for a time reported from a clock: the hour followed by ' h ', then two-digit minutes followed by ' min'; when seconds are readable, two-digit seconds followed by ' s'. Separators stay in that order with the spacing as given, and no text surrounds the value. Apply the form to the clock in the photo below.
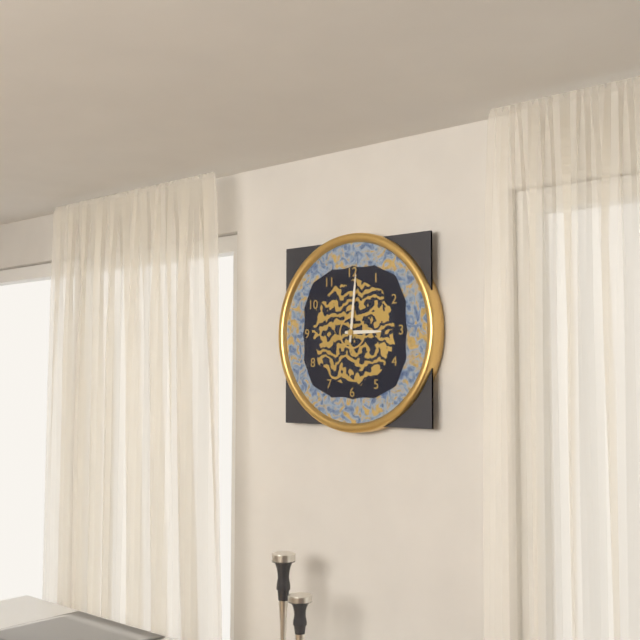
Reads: 3 h 01 min
